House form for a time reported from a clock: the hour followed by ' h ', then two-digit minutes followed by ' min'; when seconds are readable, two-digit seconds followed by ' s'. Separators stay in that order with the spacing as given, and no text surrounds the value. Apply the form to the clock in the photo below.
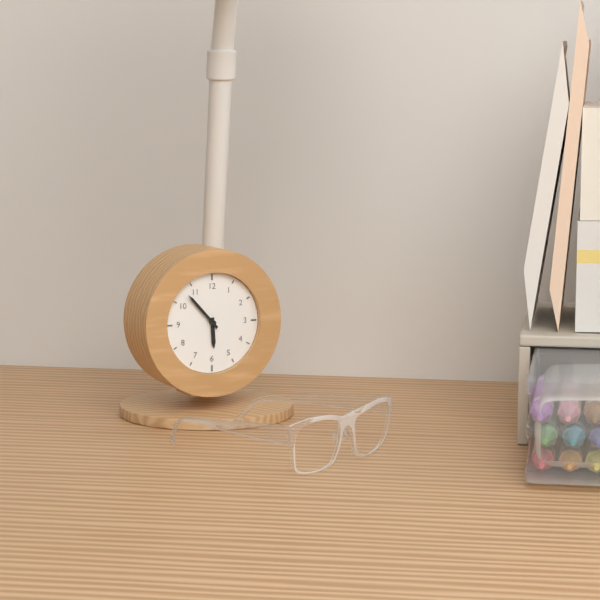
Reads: 5 h 53 min
